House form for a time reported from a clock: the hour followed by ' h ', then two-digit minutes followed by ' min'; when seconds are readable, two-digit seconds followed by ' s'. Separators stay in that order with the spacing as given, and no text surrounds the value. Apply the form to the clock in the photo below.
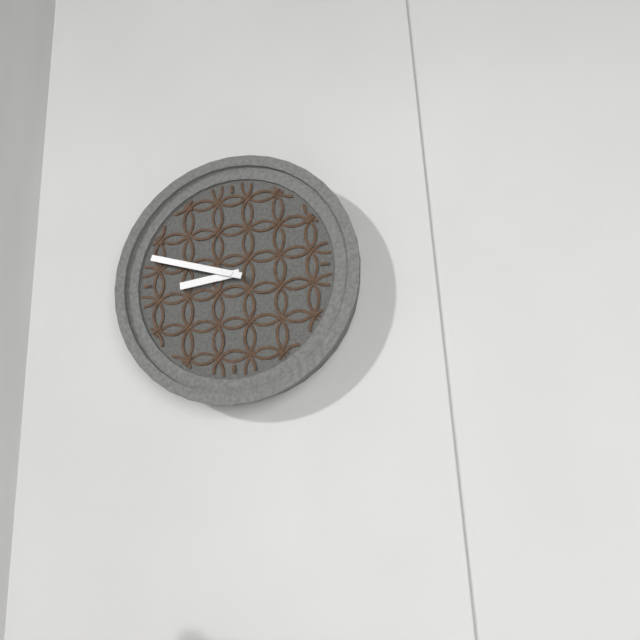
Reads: 8 h 48 min
